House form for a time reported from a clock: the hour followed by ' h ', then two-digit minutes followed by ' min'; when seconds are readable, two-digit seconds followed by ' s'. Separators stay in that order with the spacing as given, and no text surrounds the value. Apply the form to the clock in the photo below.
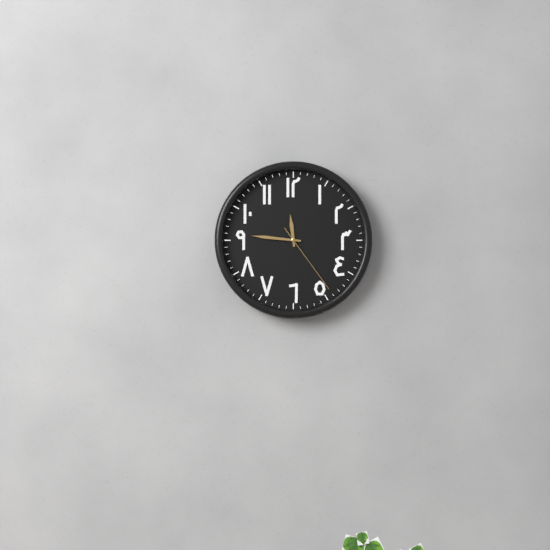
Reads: 11 h 46 min 24 s
